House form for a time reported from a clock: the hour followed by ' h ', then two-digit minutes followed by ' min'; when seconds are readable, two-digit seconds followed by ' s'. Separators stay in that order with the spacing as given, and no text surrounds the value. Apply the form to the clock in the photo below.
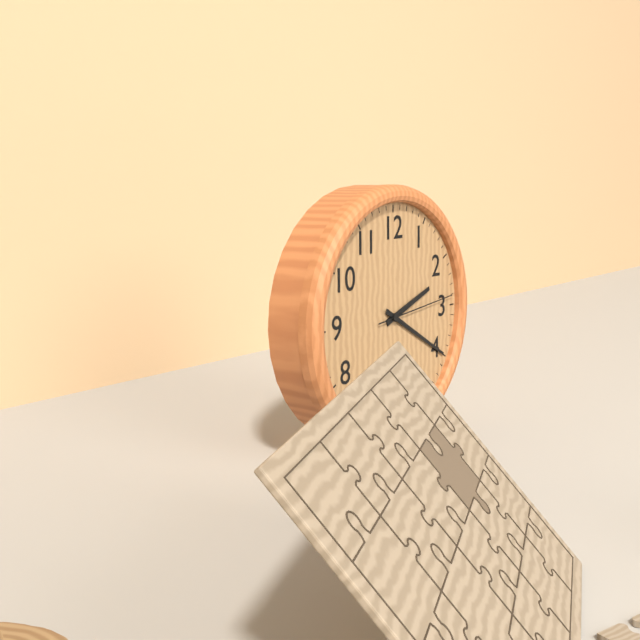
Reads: 2 h 20 min 14 s
